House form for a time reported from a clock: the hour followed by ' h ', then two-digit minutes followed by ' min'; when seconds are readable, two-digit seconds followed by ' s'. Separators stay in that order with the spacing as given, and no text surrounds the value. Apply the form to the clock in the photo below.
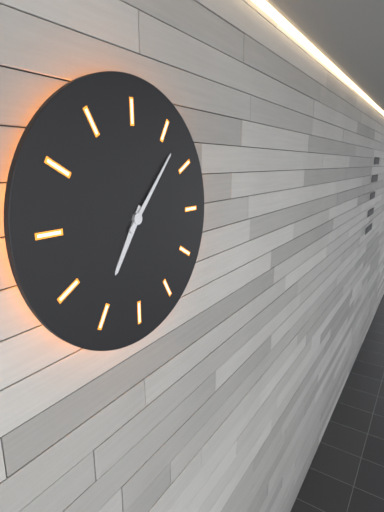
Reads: 7 h 07 min
